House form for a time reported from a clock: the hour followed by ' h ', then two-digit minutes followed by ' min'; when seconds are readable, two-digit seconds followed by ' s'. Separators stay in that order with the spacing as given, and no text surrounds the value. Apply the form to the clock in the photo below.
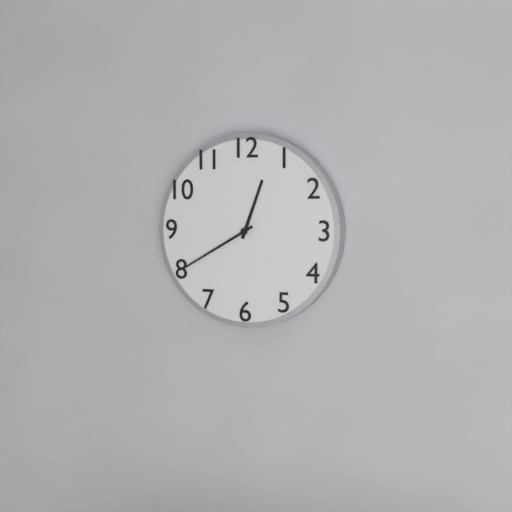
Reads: 12 h 40 min
